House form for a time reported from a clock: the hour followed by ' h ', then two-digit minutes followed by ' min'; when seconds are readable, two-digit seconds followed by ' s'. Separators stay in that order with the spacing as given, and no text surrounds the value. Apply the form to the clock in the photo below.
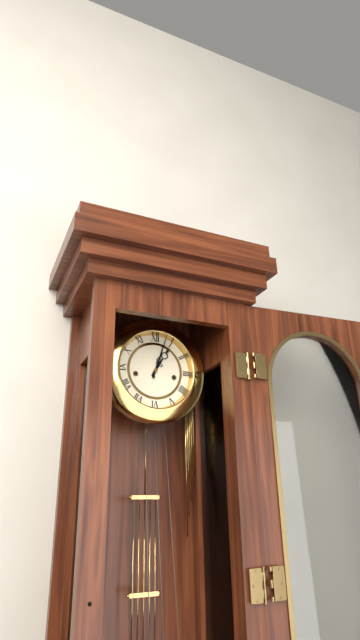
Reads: 1 h 03 min
